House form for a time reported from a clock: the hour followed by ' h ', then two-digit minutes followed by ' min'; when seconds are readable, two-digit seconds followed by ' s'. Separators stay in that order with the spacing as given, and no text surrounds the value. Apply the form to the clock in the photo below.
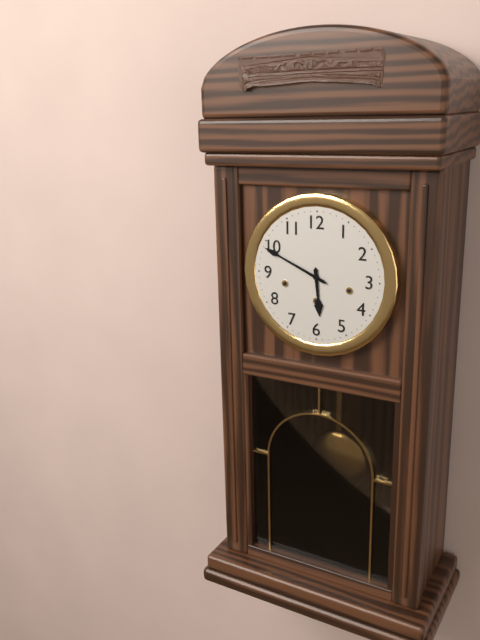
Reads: 5 h 49 min
